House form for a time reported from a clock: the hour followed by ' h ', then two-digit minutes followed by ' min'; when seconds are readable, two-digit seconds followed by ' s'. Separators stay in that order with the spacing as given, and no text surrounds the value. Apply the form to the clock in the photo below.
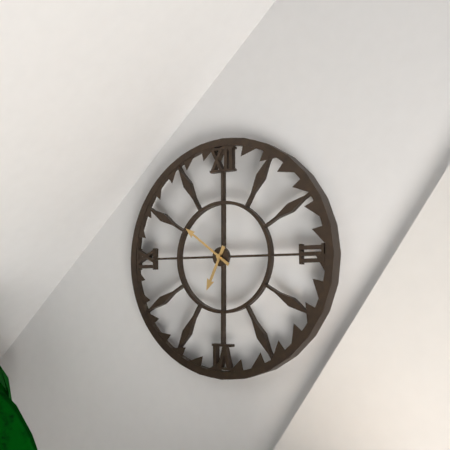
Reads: 6 h 51 min
